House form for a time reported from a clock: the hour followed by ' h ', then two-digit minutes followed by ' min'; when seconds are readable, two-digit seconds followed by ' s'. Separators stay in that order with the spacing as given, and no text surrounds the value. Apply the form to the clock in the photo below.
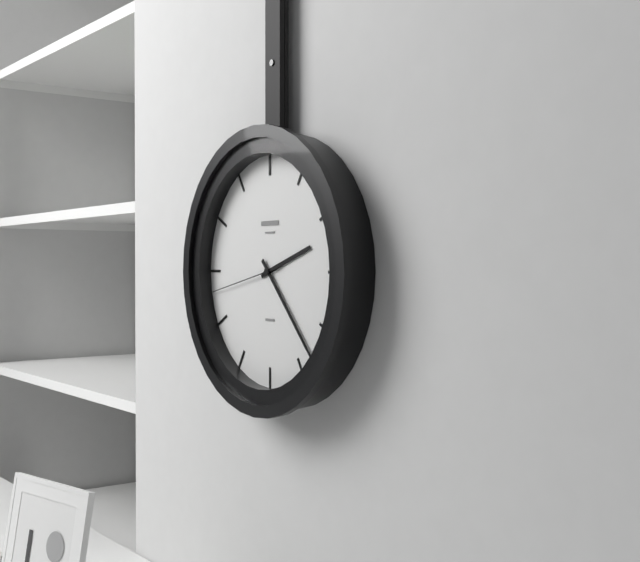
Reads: 2 h 23 min 43 s
